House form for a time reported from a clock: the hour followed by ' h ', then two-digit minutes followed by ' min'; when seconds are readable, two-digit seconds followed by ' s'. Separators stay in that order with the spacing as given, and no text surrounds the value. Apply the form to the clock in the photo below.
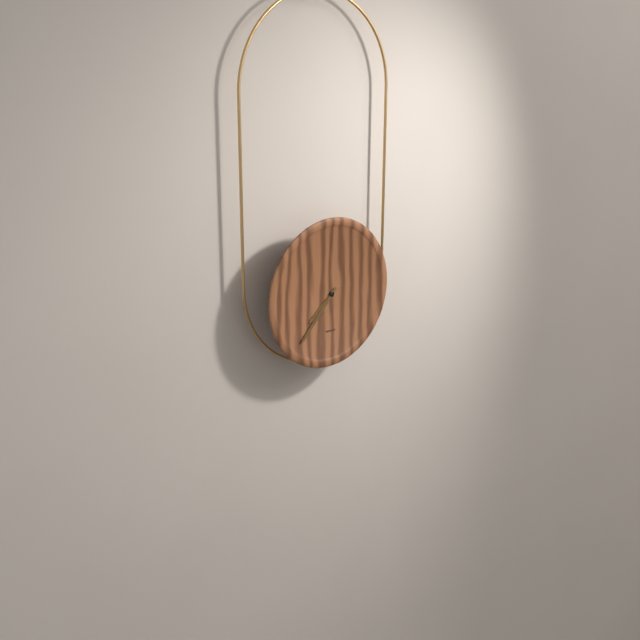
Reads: 7 h 37 min
